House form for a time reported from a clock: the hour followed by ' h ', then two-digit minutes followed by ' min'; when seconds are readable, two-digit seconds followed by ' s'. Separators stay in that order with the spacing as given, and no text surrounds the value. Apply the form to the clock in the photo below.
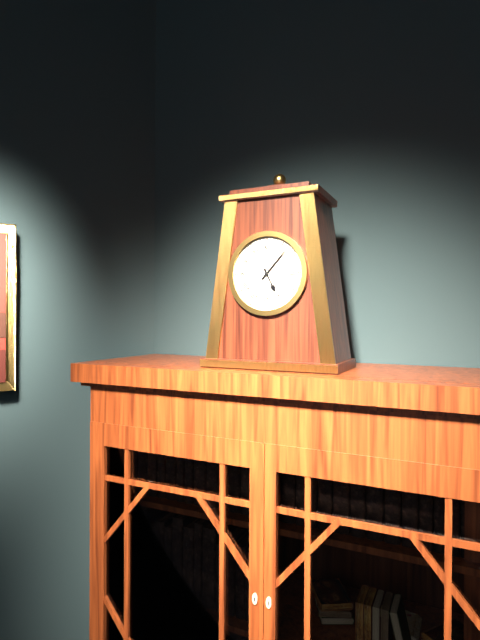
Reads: 5 h 07 min
